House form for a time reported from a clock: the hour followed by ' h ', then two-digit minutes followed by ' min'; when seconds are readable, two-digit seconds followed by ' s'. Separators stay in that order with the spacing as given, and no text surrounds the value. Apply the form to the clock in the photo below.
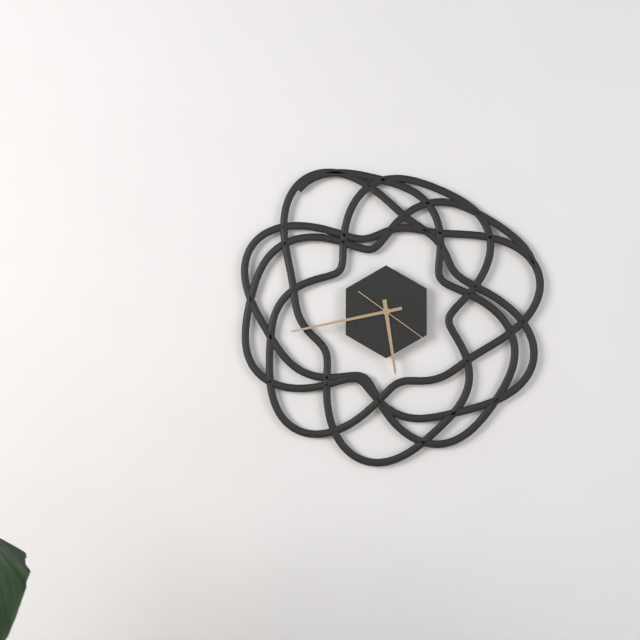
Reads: 5 h 43 min 21 s
